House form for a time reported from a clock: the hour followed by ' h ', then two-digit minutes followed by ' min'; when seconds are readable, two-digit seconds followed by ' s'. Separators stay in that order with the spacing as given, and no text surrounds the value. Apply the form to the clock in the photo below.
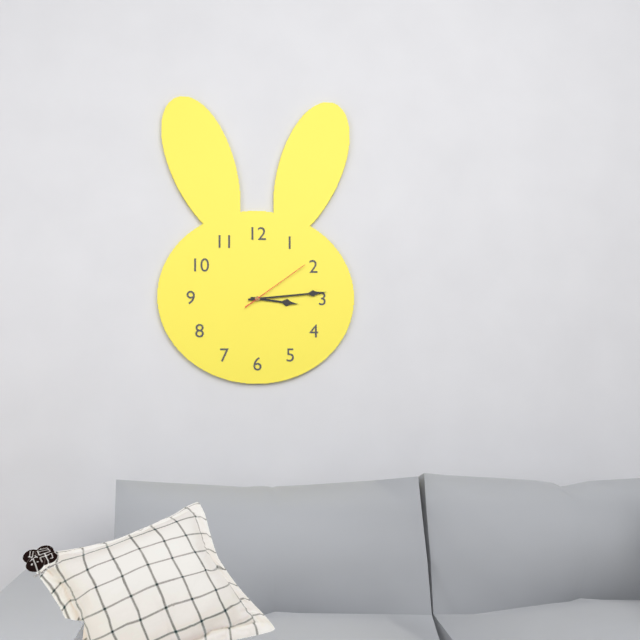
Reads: 3 h 14 min 09 s
